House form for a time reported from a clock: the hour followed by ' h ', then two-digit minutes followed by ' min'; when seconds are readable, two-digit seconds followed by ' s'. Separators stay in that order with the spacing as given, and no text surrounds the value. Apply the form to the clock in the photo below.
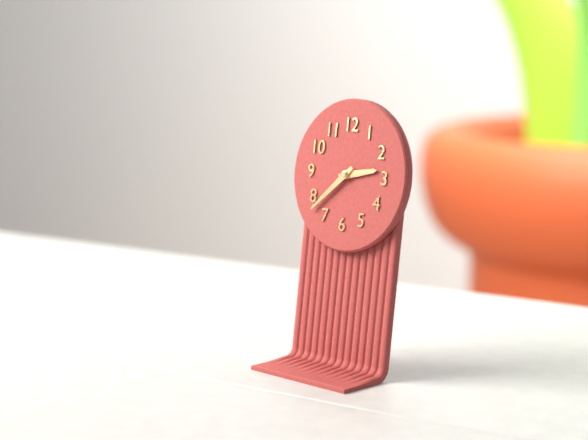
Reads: 2 h 38 min
